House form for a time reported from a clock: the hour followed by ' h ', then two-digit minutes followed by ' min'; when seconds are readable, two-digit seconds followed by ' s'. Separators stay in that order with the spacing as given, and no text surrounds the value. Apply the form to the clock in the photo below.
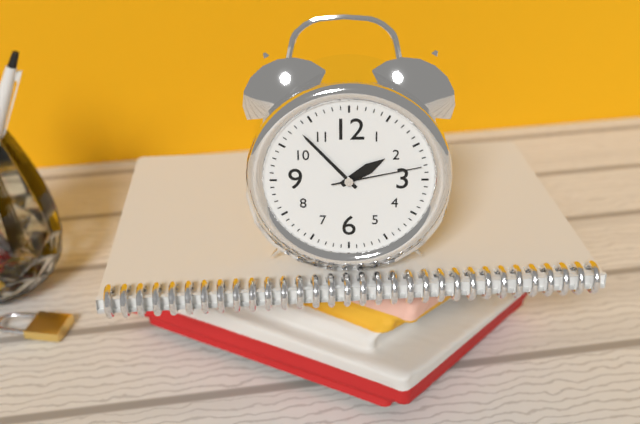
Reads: 1 h 53 min 13 s
